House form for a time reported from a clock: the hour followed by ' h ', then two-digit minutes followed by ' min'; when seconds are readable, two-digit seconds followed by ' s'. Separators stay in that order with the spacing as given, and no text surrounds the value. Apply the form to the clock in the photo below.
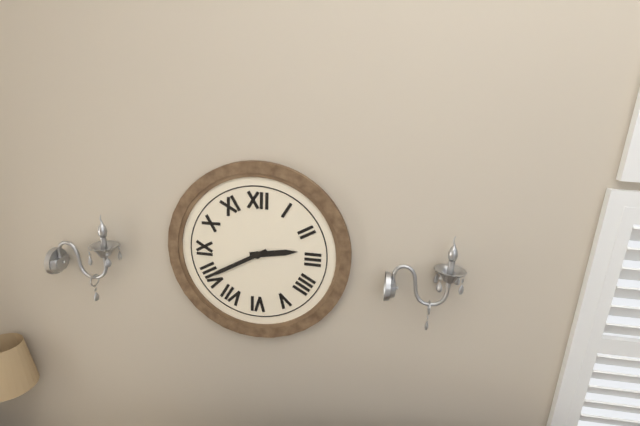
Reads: 2 h 40 min
